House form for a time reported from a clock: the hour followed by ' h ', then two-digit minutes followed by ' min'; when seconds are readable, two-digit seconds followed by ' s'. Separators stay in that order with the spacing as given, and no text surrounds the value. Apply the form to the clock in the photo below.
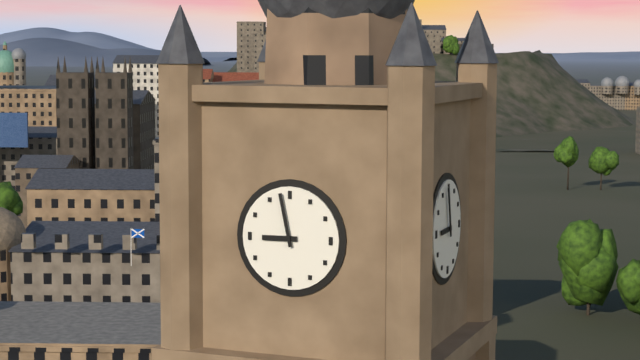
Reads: 8 h 58 min
